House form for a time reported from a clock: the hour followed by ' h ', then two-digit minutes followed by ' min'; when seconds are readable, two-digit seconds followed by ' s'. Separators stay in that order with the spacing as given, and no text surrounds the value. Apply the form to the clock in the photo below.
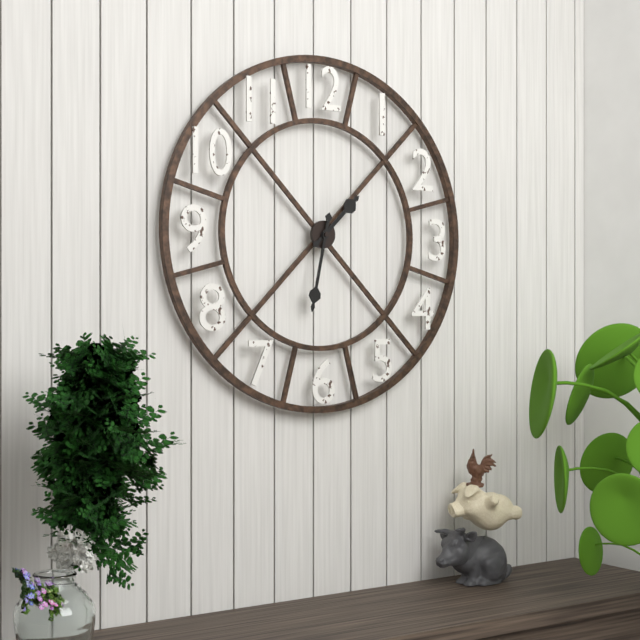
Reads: 1 h 32 min
